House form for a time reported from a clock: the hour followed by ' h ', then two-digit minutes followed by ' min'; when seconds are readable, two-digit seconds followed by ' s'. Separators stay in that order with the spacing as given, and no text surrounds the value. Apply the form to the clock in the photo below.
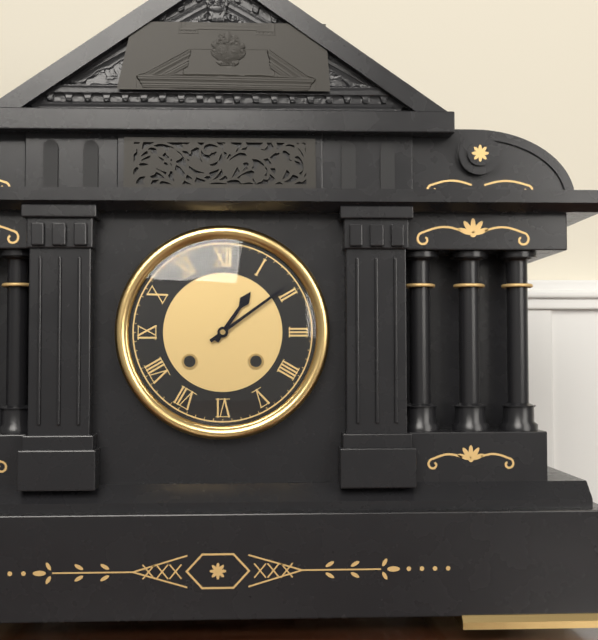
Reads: 1 h 09 min
